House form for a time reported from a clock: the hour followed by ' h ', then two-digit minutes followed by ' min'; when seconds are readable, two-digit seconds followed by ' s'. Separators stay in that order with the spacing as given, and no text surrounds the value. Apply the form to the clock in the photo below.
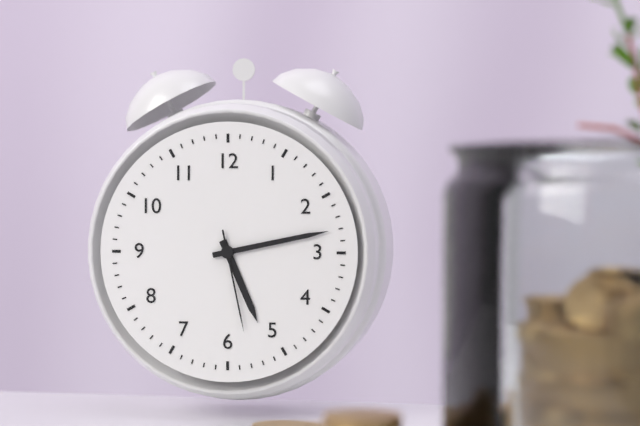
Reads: 5 h 13 min 28 s
